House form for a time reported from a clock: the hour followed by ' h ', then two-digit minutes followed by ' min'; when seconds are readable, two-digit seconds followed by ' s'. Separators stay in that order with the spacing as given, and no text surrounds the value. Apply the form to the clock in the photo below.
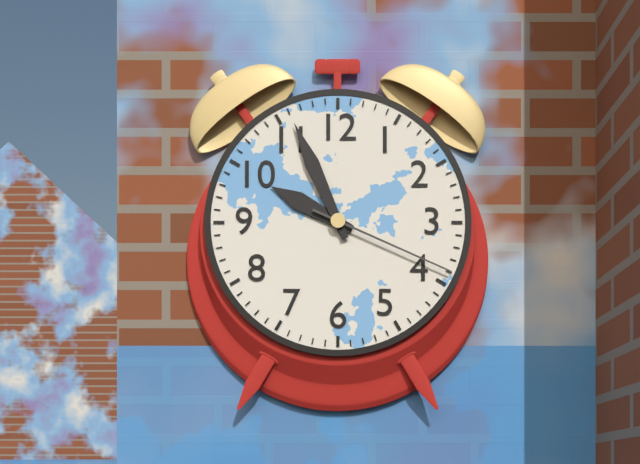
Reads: 9 h 56 min 19 s
